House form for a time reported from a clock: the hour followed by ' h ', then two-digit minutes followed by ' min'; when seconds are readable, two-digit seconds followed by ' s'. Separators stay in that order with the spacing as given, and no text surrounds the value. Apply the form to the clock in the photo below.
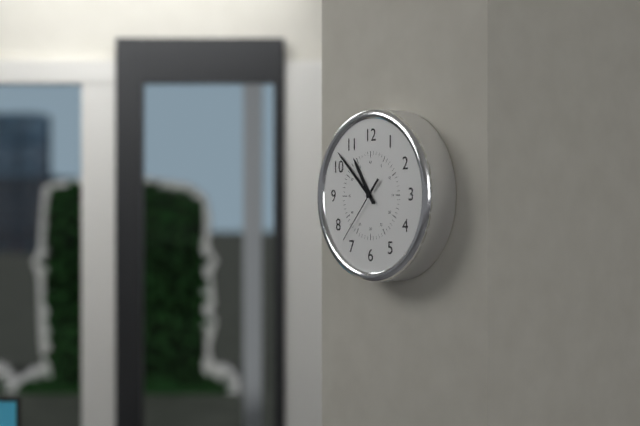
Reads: 10 h 52 min 37 s
